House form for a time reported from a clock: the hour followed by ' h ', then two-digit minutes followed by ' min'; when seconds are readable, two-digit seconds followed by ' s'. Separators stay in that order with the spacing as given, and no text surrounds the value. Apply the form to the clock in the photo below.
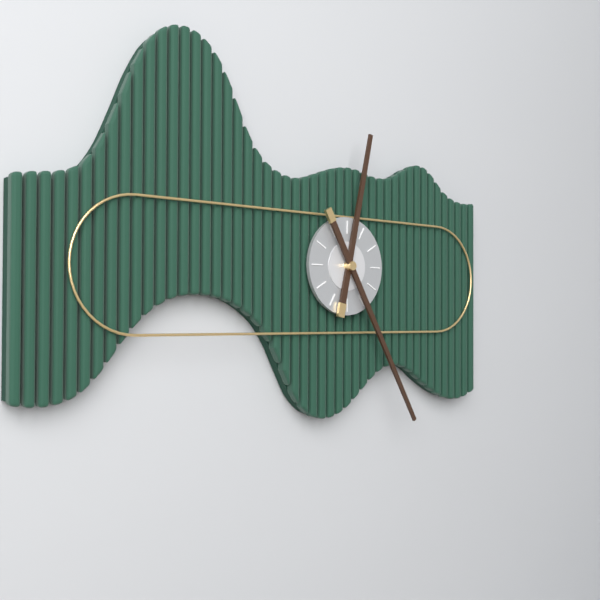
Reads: 12 h 25 min
